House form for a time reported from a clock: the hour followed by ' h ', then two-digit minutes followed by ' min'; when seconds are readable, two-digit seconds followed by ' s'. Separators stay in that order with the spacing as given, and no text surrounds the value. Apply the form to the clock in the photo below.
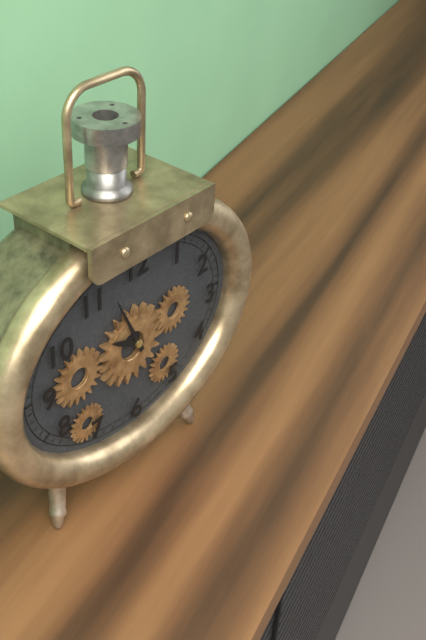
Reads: 9 h 56 min
